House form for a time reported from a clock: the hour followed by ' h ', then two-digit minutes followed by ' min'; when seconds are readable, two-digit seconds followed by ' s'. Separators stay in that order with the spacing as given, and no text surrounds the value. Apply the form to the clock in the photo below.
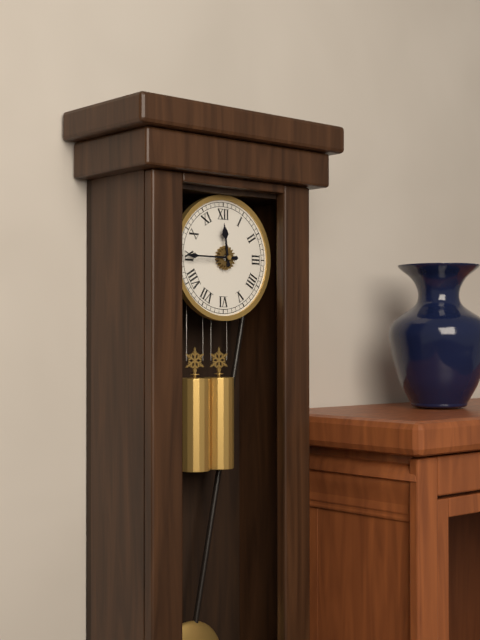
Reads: 11 h 45 min
